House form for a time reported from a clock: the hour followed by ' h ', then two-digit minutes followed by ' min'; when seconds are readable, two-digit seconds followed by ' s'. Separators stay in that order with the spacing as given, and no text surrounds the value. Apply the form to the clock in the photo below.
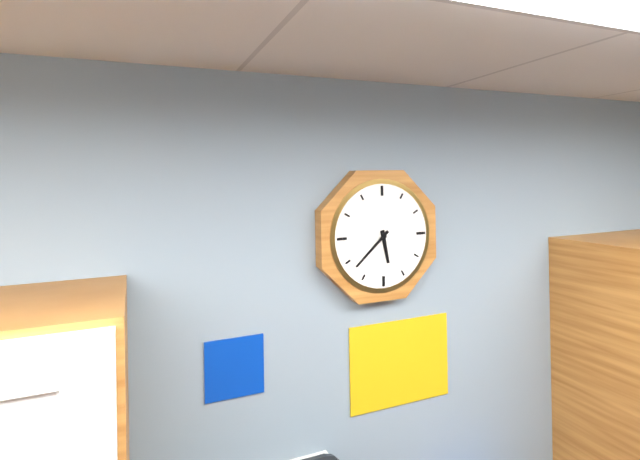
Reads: 5 h 38 min
